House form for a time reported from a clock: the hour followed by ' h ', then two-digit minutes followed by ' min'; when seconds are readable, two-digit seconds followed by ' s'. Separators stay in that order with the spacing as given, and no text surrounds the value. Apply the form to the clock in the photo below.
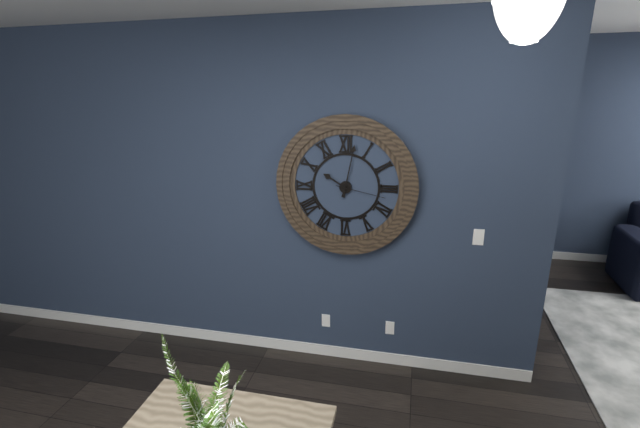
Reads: 10 h 02 min 17 s
